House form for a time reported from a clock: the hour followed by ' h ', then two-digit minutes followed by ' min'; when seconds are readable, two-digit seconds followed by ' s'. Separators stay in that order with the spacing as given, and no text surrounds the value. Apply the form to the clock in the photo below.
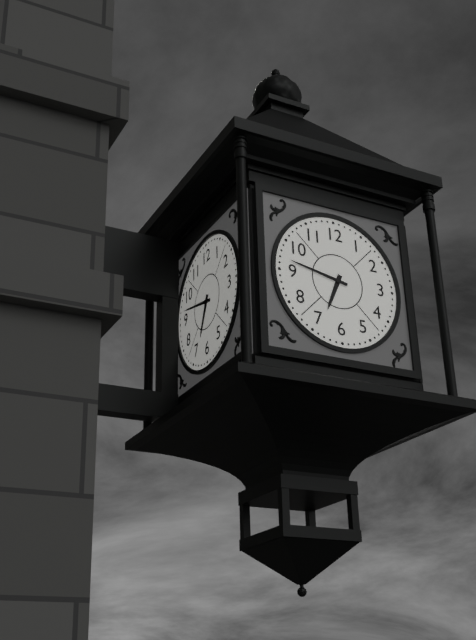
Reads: 6 h 47 min
